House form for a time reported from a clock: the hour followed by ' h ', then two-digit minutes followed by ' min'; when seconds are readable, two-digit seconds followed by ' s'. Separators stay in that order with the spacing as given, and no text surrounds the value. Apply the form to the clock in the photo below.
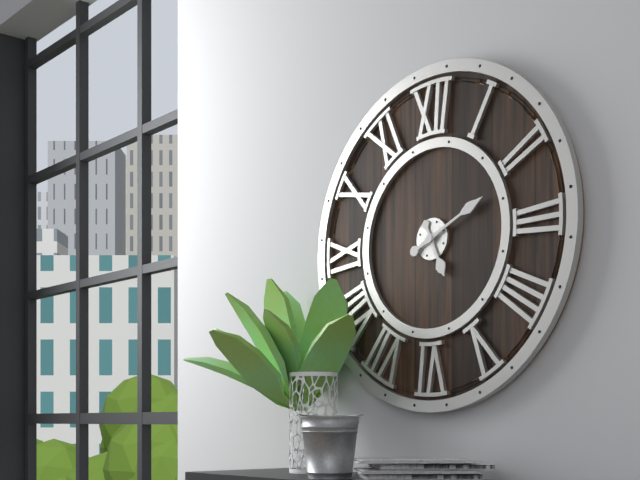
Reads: 5 h 11 min
